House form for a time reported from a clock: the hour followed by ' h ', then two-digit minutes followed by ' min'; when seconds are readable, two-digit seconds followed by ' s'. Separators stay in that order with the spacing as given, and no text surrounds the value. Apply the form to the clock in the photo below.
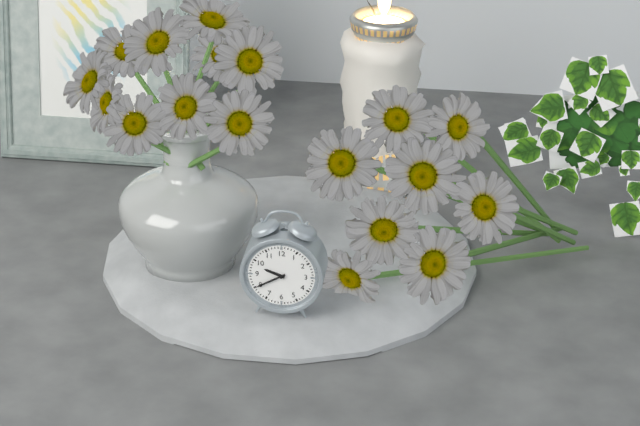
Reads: 9 h 40 min
